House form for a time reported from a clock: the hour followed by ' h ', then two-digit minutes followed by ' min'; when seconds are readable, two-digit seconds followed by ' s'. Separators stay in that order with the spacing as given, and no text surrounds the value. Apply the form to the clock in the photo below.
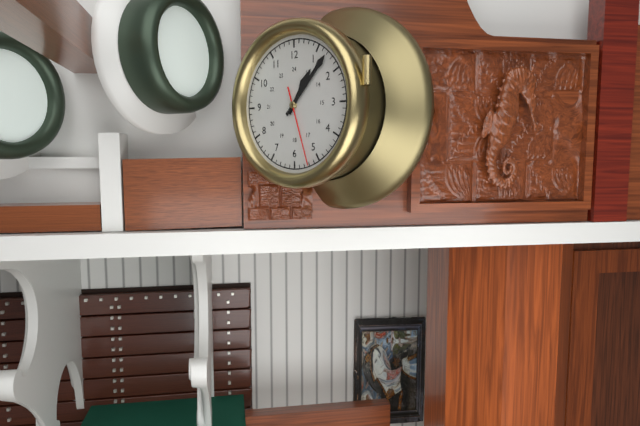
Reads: 1 h 07 min 27 s
